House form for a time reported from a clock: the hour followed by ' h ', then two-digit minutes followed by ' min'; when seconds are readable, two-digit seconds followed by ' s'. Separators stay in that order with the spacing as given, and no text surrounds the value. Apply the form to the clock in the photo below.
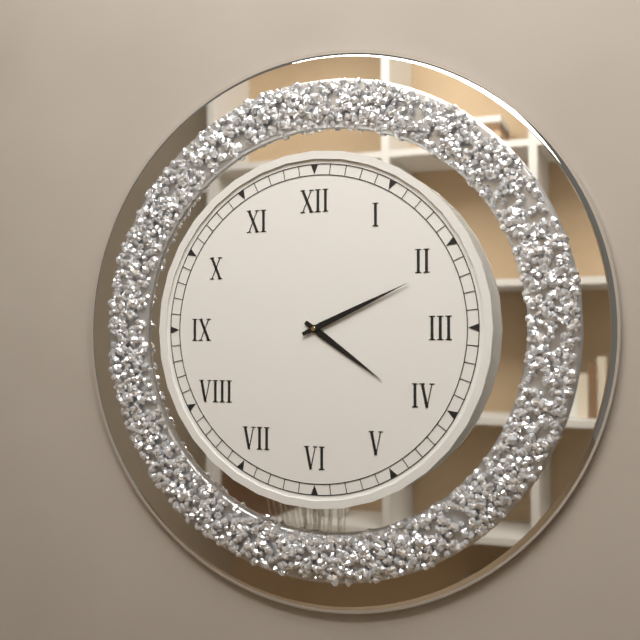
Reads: 4 h 11 min
